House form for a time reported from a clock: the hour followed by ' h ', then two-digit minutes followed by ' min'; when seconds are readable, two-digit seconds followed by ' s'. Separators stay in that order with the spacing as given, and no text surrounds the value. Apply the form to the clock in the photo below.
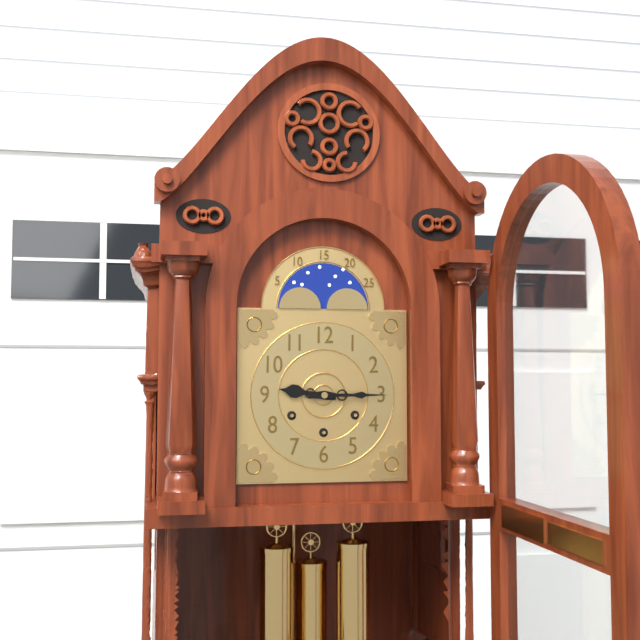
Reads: 9 h 15 min
